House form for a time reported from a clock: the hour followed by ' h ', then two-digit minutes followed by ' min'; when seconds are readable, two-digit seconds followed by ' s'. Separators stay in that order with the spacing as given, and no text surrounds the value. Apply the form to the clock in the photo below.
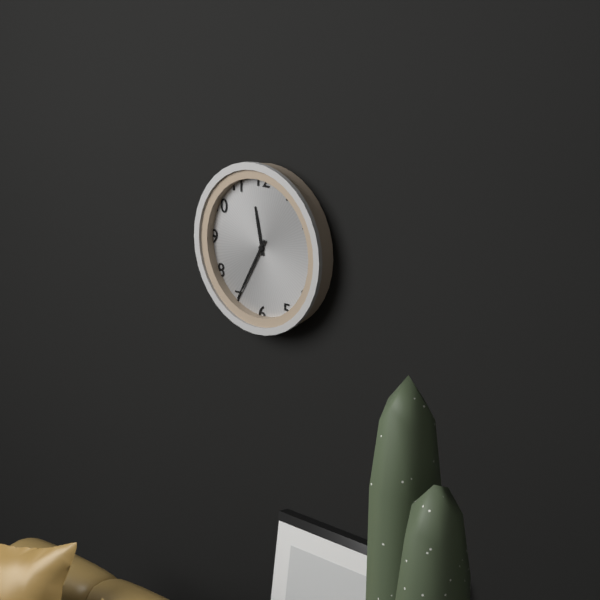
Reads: 11 h 35 min
